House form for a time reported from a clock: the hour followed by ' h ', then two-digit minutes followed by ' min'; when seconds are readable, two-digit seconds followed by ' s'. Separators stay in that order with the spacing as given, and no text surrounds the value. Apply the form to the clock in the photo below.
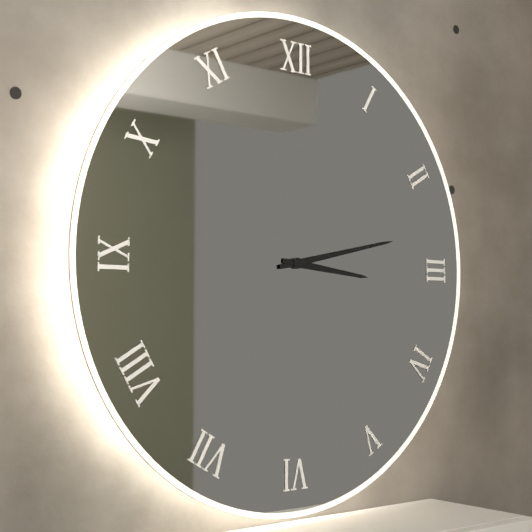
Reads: 3 h 13 min
